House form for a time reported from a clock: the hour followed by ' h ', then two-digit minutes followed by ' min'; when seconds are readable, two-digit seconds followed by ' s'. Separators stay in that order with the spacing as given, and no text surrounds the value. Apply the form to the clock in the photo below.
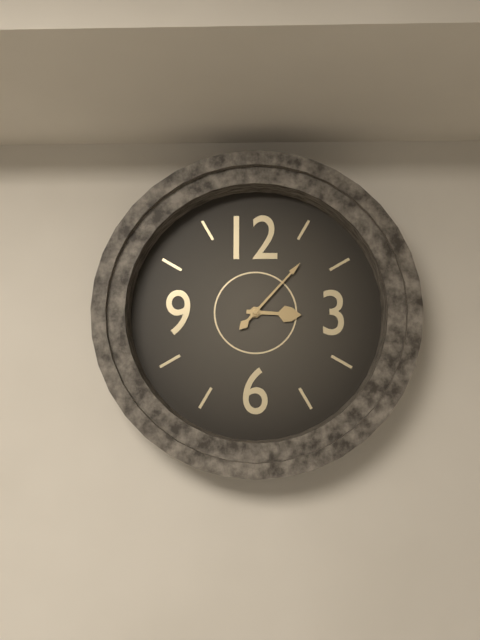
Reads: 3 h 07 min
